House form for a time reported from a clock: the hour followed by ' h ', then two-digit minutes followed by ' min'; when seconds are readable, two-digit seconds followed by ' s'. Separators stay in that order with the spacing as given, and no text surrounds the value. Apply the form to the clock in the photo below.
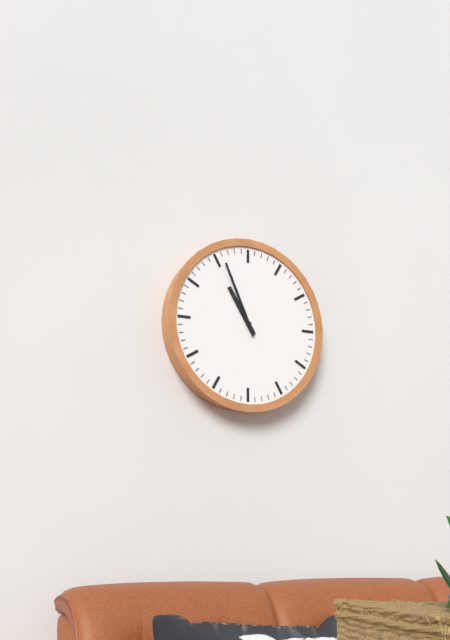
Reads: 10 h 56 min
